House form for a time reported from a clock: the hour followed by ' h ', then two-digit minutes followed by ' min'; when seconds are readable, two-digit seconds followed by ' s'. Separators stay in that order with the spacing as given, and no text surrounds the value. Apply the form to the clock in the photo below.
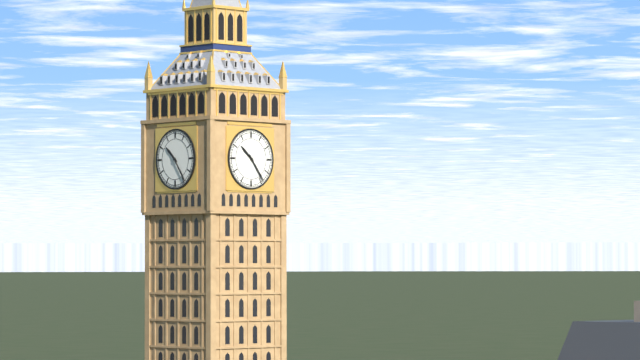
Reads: 10 h 24 min
